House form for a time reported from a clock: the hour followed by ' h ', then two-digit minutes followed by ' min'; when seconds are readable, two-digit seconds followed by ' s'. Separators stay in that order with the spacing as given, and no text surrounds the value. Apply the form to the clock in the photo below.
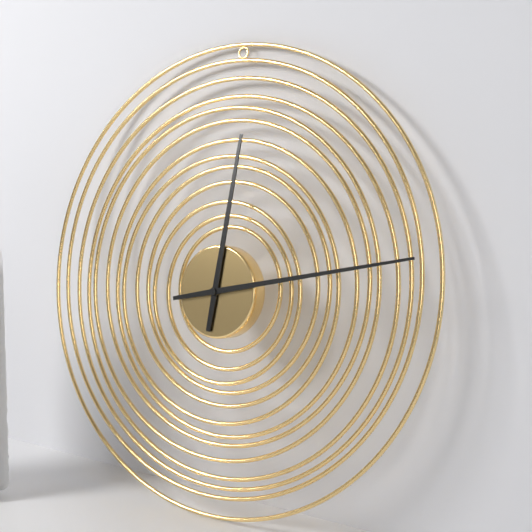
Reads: 12 h 13 min
